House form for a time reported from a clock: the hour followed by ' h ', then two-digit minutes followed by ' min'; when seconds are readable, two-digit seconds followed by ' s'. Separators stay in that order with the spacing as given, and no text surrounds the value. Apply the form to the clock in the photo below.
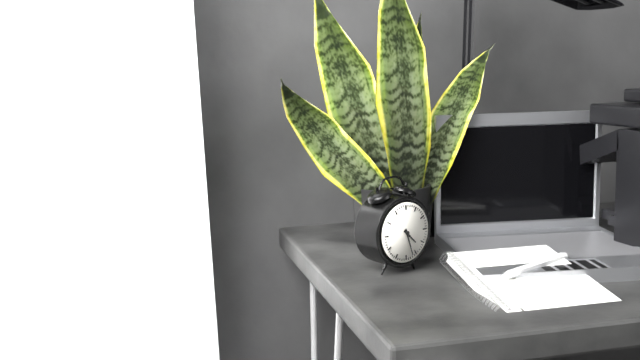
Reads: 4 h 27 min
